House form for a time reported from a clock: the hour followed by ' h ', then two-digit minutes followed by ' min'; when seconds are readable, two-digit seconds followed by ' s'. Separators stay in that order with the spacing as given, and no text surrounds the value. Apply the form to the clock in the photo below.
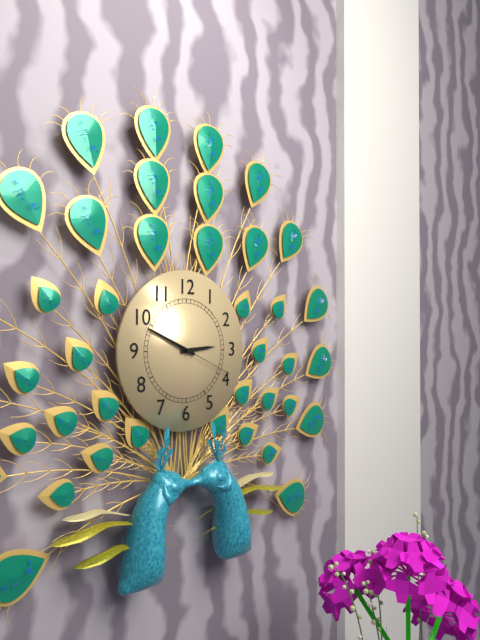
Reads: 2 h 49 min 19 s
